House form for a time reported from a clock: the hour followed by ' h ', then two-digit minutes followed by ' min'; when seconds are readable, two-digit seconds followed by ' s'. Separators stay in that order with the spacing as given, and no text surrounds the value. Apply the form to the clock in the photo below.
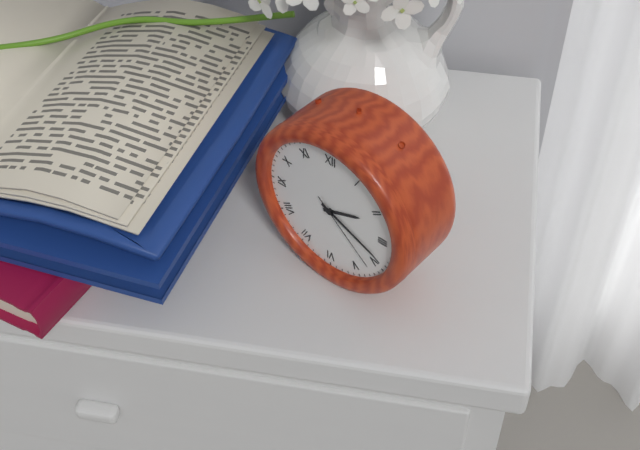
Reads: 2 h 19 min 22 s
